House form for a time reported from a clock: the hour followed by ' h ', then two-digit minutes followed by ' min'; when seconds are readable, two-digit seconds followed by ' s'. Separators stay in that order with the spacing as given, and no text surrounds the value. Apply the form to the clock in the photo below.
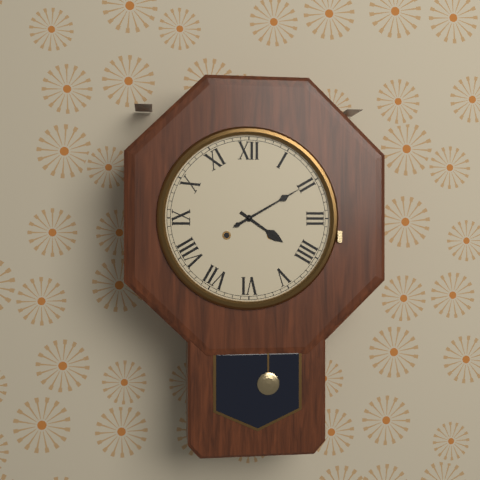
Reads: 4 h 10 min
